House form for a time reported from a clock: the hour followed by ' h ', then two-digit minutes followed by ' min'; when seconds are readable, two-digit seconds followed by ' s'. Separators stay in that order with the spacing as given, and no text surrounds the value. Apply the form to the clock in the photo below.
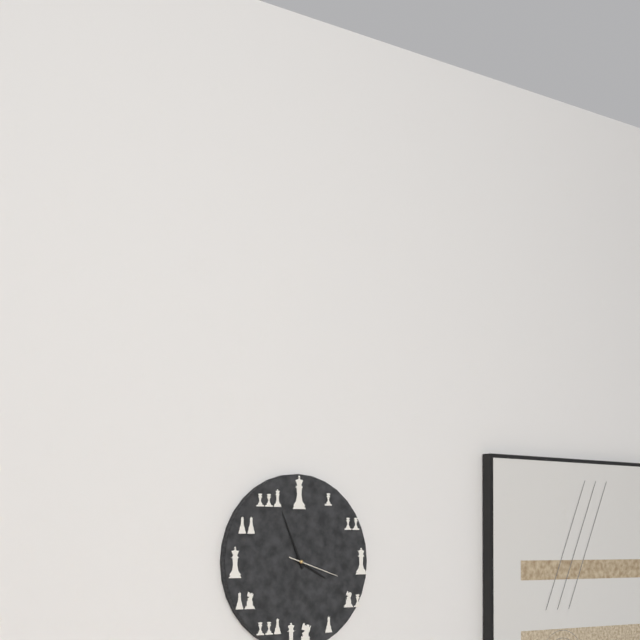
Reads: 3 h 56 min 18 s
